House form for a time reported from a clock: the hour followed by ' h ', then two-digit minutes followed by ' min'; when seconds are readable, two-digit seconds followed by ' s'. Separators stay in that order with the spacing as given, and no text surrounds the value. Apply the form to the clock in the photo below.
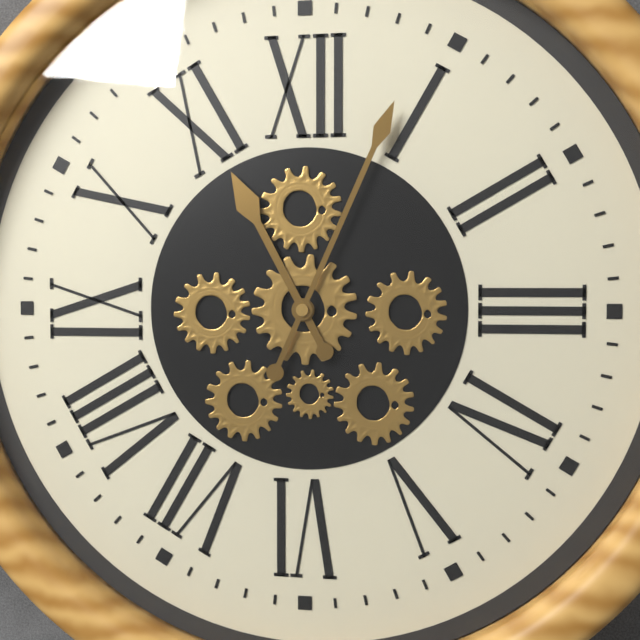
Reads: 11 h 04 min
